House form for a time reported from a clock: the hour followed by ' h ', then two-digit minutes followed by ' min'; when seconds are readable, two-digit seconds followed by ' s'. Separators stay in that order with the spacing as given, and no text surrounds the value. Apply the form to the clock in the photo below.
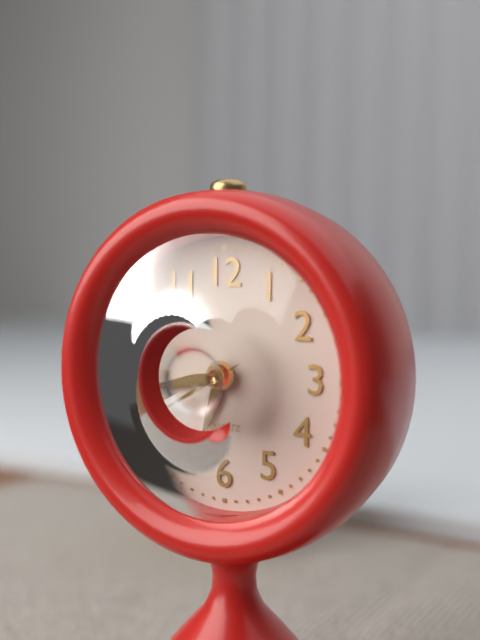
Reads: 6 h 43 min 40 s
